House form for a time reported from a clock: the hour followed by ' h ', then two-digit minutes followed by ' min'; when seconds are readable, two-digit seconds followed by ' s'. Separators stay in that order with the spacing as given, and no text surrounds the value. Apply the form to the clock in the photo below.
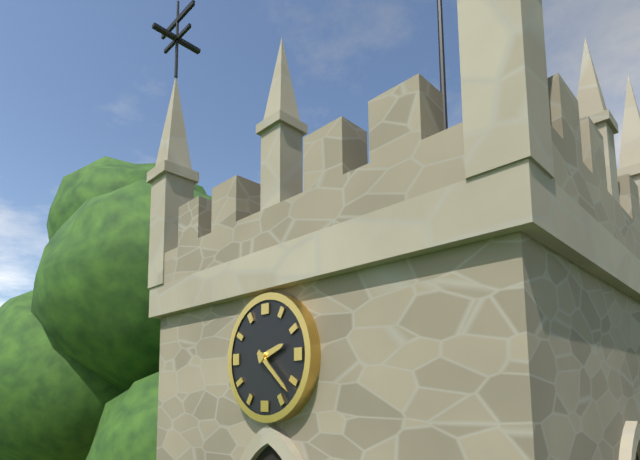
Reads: 2 h 22 min
